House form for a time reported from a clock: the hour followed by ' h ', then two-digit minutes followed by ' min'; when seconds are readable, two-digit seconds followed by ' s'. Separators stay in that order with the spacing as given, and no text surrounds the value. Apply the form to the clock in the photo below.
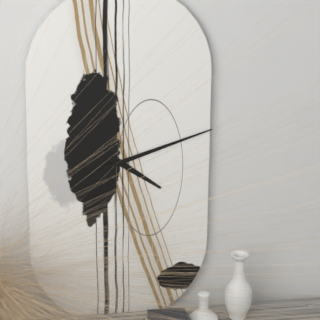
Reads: 4 h 12 min
